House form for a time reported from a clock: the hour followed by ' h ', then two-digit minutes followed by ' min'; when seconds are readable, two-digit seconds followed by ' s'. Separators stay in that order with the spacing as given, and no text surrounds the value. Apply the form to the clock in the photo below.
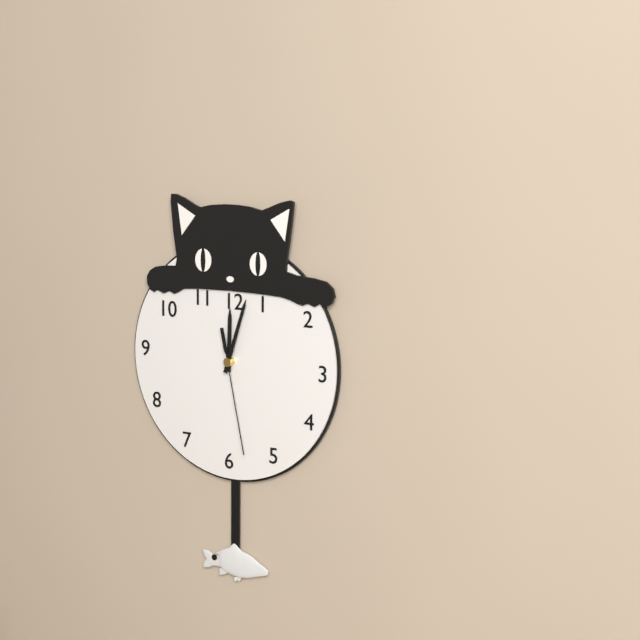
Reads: 12 h 03 min 28 s
